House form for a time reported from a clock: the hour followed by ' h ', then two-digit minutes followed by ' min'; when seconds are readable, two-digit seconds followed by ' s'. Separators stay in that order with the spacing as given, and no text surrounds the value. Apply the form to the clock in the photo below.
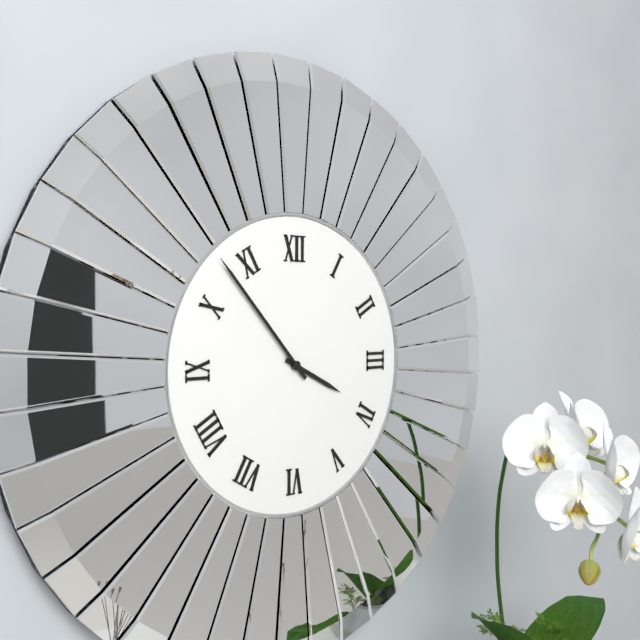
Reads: 3 h 53 min
